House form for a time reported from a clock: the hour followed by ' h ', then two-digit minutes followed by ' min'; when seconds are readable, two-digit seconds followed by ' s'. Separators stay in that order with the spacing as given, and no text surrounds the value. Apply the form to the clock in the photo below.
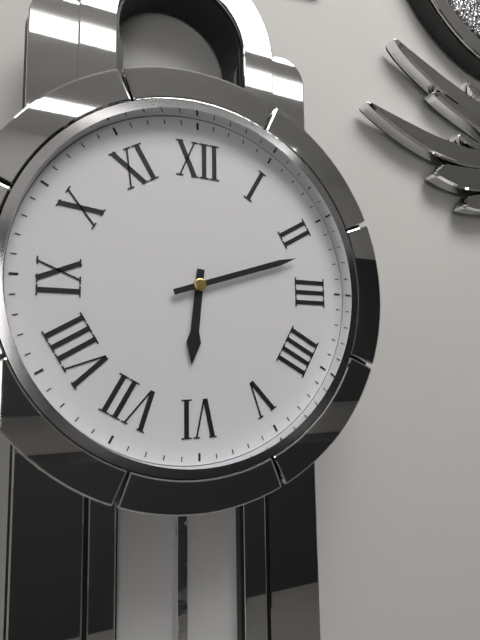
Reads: 6 h 12 min
